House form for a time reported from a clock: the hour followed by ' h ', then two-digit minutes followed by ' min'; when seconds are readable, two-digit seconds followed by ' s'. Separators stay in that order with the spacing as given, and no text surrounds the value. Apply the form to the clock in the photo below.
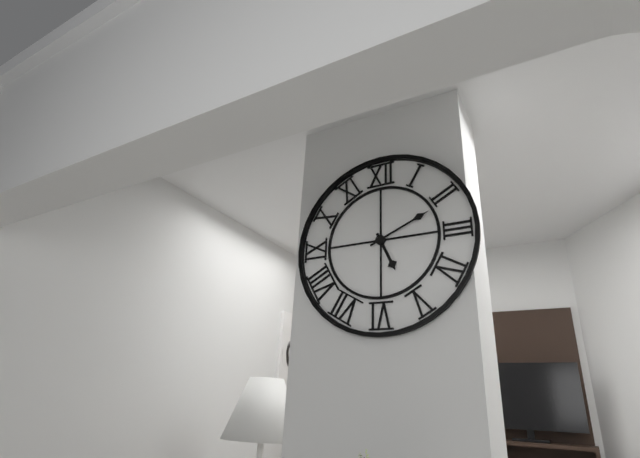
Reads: 5 h 11 min
